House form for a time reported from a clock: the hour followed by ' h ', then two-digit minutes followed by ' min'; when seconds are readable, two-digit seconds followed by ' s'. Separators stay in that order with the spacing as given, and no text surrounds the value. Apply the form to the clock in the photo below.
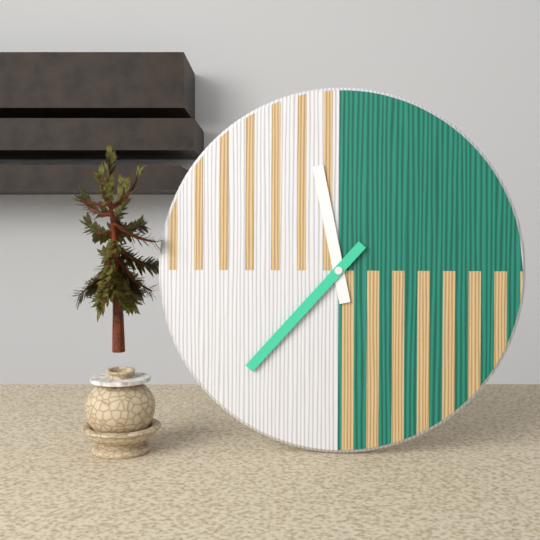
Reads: 11 h 37 min
